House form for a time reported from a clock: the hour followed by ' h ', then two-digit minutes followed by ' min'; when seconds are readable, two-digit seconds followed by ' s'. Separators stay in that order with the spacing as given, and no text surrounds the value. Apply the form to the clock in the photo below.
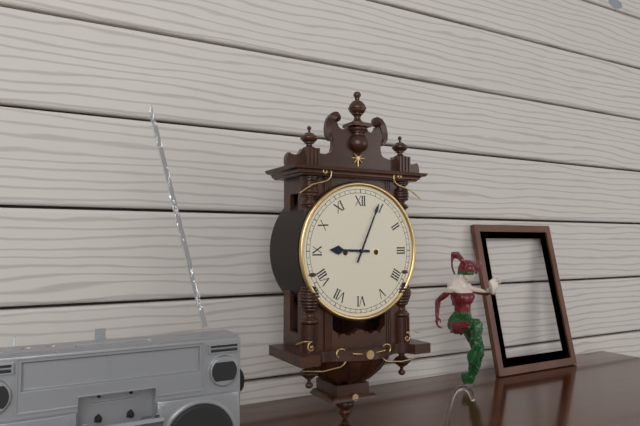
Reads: 9 h 04 min
